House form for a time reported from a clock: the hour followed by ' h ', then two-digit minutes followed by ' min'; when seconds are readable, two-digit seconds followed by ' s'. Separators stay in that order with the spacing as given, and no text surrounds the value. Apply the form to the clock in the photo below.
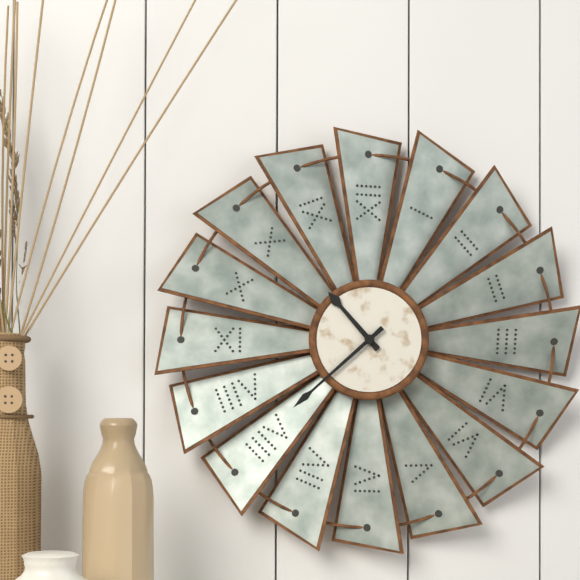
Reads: 10 h 38 min
